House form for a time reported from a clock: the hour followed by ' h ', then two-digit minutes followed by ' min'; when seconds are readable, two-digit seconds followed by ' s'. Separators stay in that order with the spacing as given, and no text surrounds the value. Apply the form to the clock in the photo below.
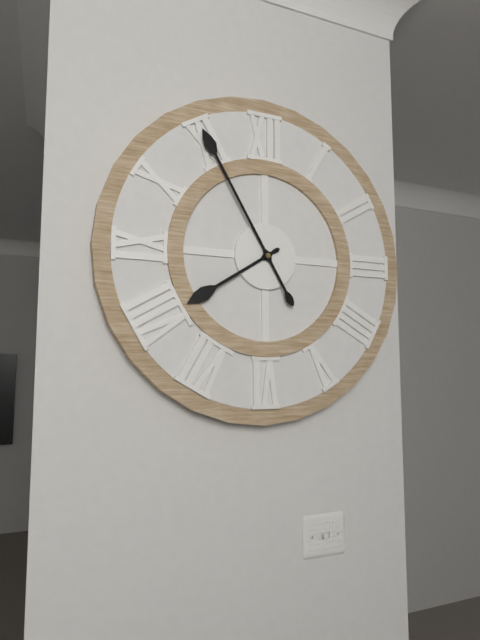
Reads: 7 h 55 min
